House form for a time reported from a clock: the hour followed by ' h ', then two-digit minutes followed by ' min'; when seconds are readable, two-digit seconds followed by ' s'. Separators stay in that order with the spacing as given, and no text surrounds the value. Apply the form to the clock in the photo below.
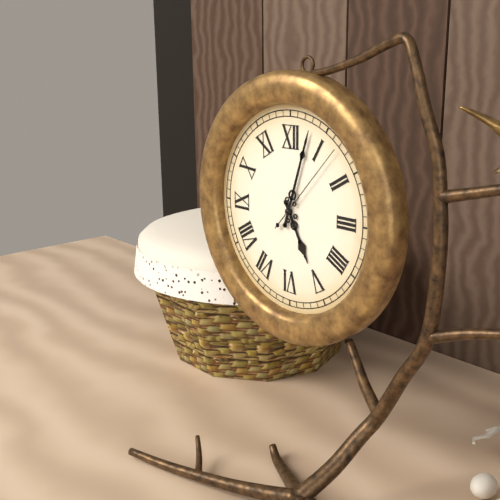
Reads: 5 h 03 min 07 s
